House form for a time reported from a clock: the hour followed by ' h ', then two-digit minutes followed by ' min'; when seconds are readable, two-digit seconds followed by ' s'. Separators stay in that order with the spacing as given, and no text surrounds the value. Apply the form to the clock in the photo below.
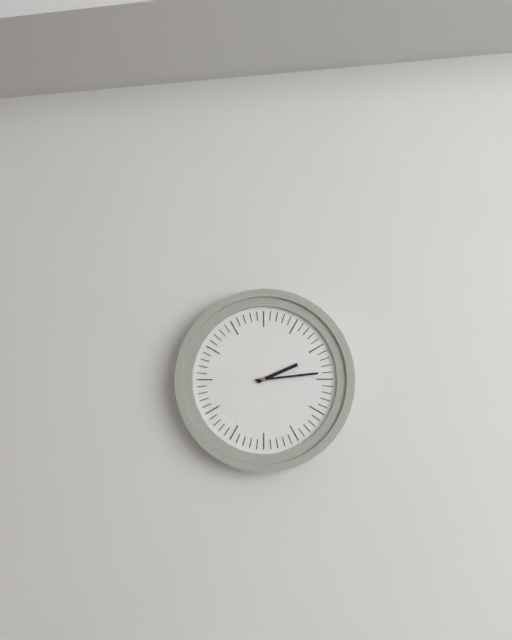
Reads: 2 h 14 min
